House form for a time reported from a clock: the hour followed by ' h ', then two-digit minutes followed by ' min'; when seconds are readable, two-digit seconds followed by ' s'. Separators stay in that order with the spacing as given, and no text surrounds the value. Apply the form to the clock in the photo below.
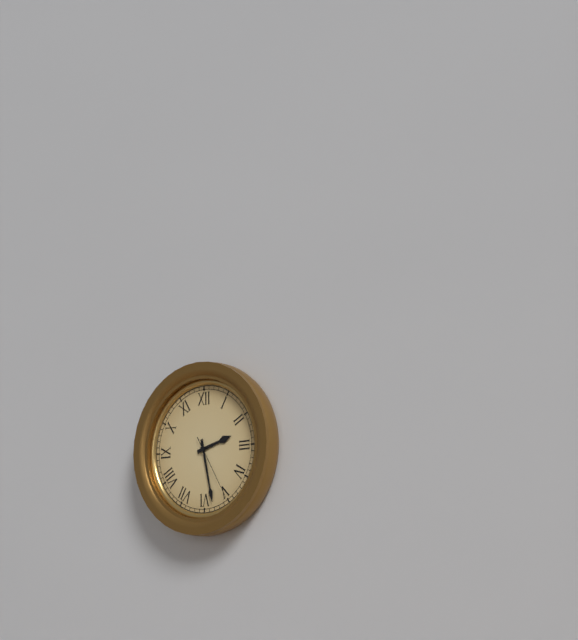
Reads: 2 h 28 min 25 s
